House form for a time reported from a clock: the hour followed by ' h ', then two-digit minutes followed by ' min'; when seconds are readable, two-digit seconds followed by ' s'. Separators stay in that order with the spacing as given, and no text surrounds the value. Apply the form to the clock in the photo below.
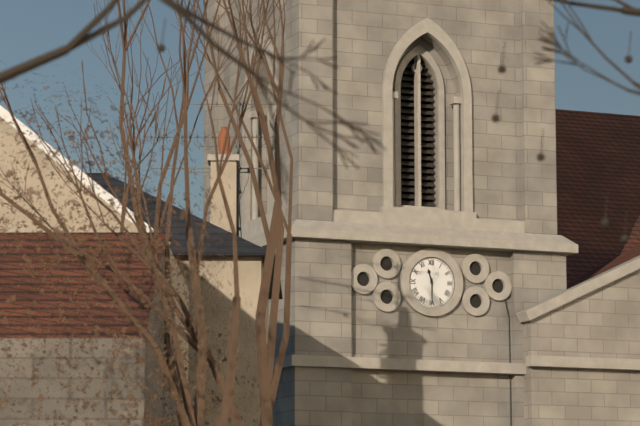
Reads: 11 h 30 min
